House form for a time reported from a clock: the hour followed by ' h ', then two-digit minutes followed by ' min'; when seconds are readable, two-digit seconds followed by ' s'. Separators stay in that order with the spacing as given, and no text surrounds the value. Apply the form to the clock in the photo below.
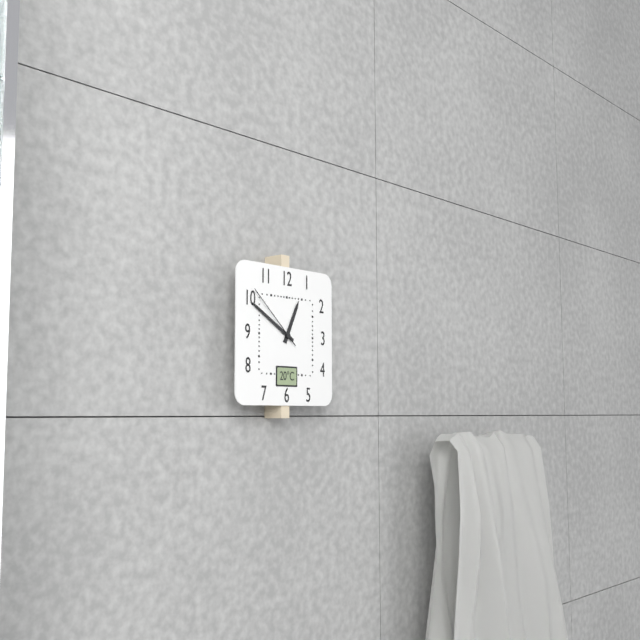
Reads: 12 h 50 min 52 s
